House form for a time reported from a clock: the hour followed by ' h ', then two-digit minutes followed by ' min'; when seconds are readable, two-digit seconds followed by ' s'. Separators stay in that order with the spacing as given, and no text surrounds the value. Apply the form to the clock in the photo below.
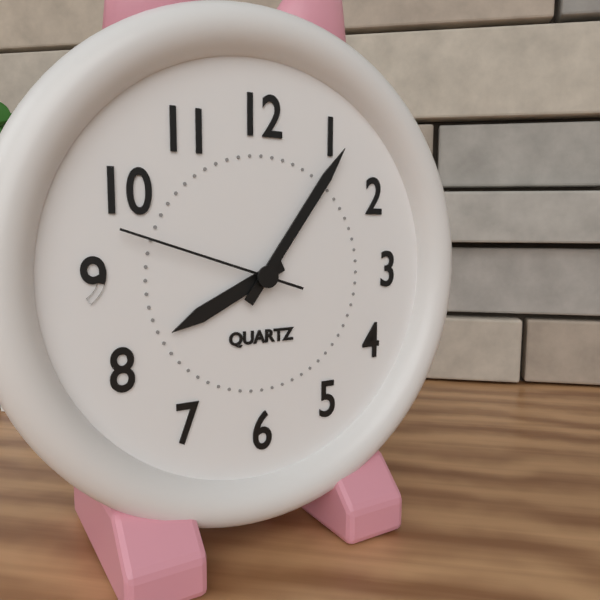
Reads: 8 h 06 min 48 s
